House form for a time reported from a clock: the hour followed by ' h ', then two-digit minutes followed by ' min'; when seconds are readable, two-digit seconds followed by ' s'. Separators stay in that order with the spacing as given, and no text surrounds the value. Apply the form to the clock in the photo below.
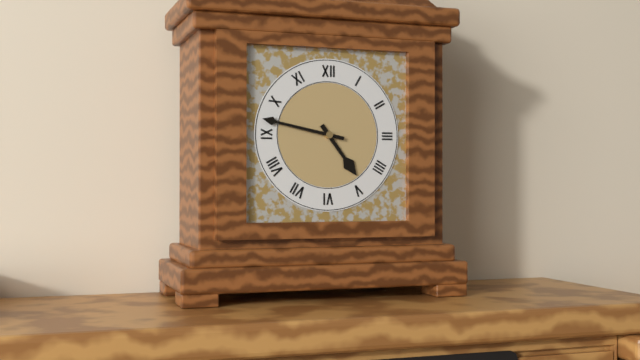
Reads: 4 h 47 min
